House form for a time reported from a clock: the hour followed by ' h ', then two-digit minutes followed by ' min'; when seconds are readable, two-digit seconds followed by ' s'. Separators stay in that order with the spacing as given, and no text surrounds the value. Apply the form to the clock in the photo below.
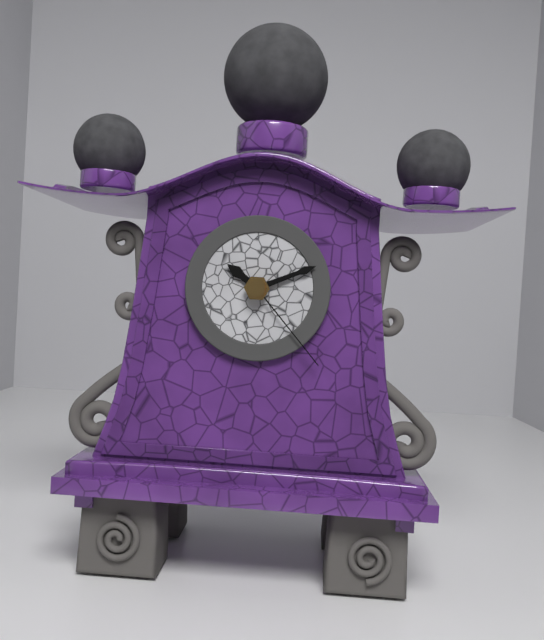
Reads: 10 h 11 min 23 s
